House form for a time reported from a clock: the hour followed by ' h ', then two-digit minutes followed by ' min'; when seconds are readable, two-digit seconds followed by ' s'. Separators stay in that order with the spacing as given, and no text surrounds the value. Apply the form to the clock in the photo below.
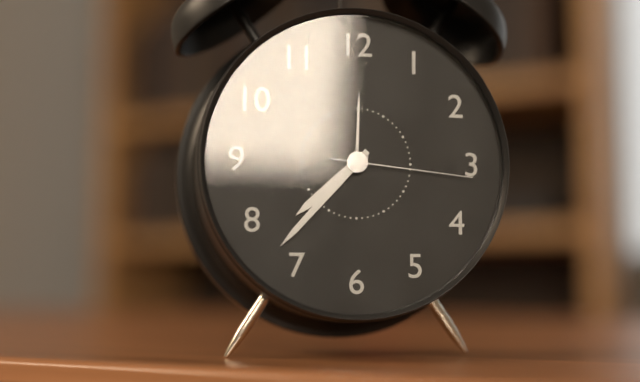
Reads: 7 h 37 min 16 s
